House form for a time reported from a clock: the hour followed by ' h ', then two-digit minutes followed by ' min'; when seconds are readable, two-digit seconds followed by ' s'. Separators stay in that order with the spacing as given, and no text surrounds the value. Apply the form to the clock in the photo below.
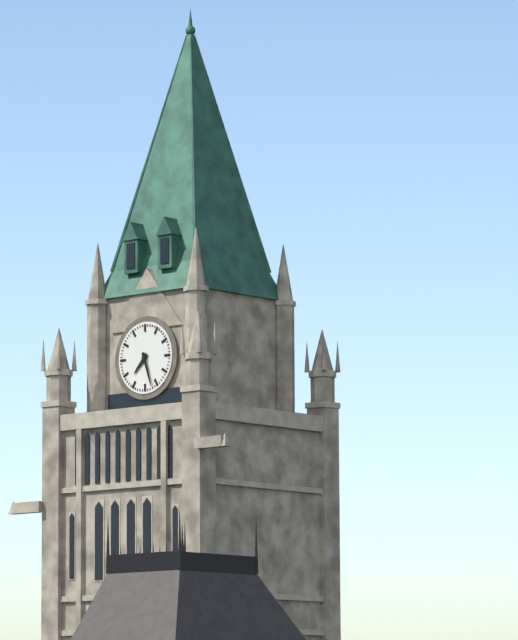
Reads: 7 h 27 min
